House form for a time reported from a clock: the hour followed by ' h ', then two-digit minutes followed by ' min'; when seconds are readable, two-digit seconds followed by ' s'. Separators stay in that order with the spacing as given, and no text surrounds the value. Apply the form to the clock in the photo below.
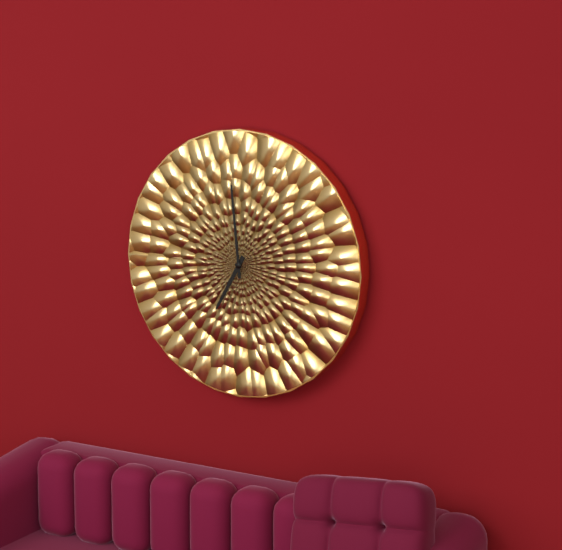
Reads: 6 h 59 min
